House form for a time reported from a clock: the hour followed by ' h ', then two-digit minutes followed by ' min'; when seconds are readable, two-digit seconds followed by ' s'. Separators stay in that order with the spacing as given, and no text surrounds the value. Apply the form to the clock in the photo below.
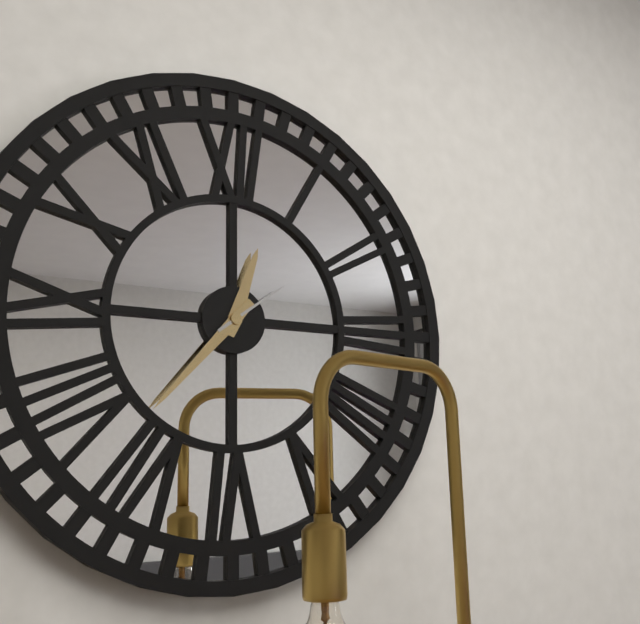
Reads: 12 h 37 min 09 s
